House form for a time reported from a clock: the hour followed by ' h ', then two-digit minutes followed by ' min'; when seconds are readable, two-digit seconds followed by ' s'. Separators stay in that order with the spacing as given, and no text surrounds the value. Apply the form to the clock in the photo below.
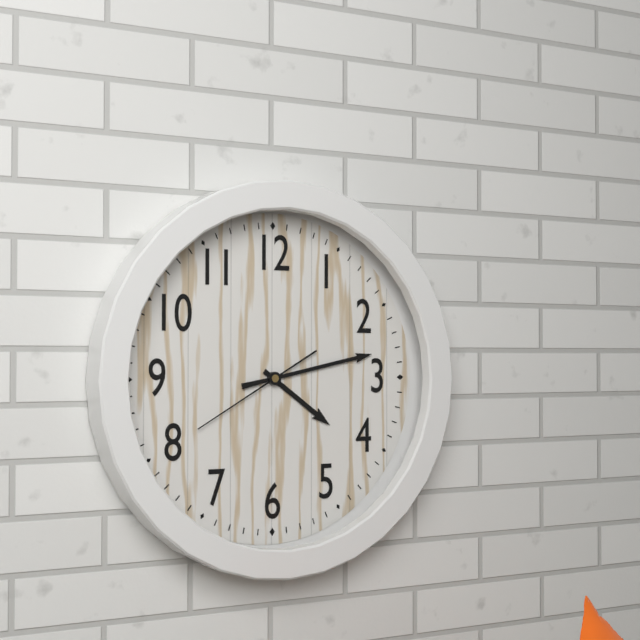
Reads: 4 h 13 min 40 s
